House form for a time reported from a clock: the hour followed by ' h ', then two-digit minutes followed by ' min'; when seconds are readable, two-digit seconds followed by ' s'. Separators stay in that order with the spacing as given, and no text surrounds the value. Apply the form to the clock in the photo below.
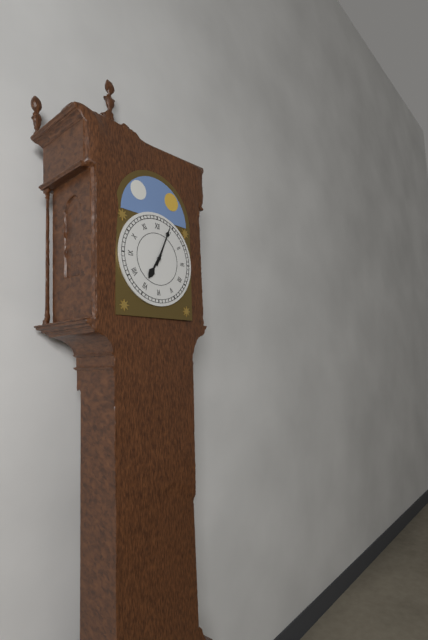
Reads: 7 h 04 min
